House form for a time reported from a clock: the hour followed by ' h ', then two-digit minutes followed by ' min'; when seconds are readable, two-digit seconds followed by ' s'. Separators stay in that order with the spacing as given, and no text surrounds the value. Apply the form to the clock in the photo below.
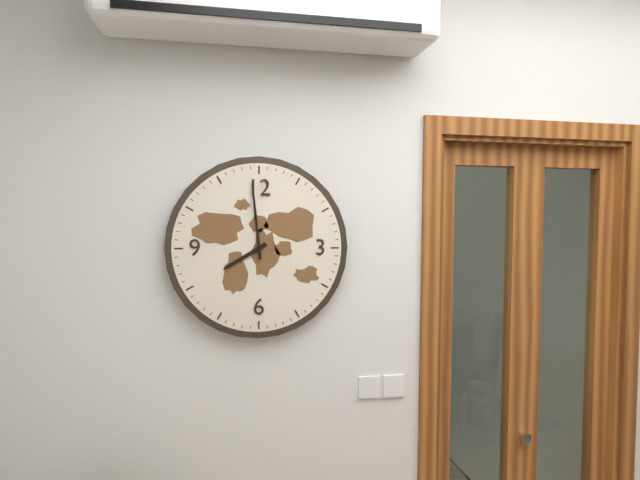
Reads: 7 h 59 min
